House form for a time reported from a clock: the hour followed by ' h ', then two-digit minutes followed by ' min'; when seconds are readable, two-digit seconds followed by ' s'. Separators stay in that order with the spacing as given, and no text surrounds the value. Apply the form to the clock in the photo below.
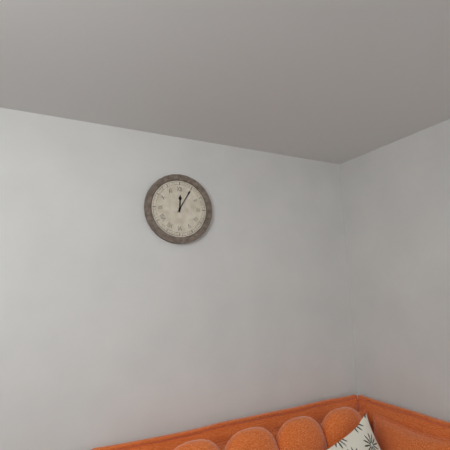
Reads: 12 h 05 min
